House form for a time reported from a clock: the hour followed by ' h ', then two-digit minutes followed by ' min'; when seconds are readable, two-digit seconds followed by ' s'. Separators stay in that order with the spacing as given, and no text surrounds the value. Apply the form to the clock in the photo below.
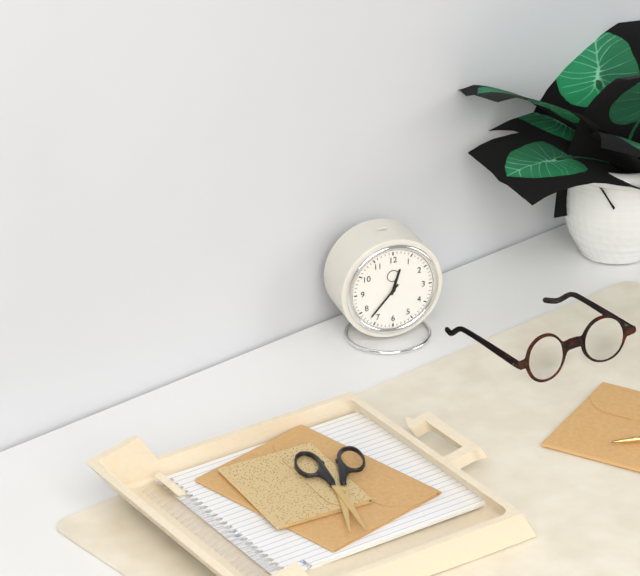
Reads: 12 h 37 min
